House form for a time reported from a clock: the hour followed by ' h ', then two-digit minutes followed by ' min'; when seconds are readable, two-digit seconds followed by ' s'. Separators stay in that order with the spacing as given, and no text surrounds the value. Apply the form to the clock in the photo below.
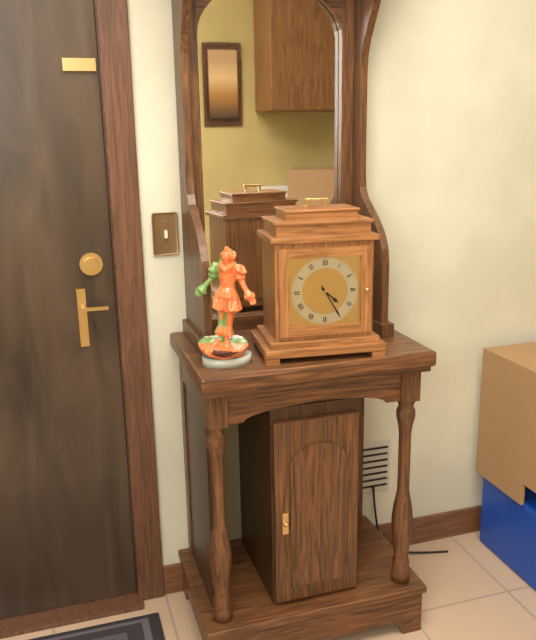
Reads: 4 h 25 min
